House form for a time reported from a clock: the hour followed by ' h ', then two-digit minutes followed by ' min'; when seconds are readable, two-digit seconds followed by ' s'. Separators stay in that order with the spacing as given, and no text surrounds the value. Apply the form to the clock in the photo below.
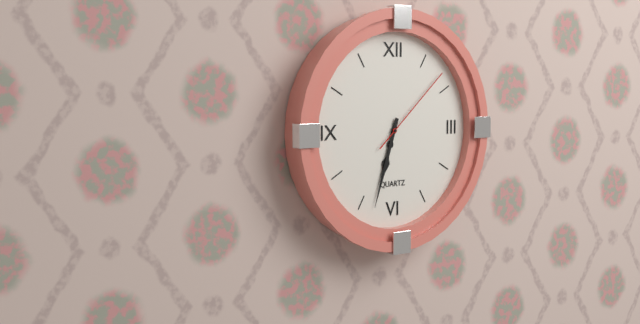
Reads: 6 h 33 min 08 s
